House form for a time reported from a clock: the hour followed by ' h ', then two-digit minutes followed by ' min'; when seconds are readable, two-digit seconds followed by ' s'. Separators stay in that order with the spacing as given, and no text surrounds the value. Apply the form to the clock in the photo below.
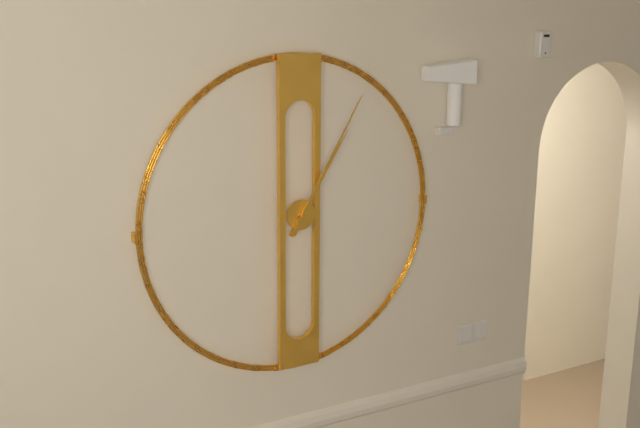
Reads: 1 h 05 min
